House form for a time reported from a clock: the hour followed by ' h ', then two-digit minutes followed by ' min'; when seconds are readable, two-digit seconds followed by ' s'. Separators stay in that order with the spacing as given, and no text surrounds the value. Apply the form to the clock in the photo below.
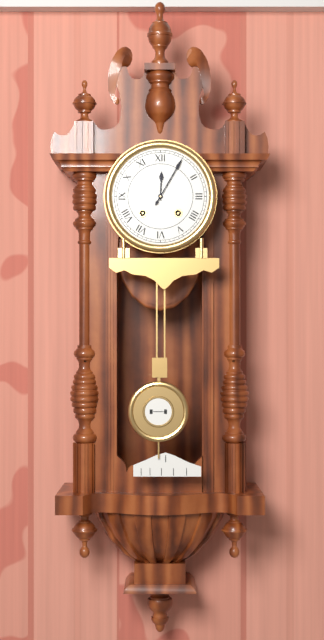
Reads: 12 h 05 min
